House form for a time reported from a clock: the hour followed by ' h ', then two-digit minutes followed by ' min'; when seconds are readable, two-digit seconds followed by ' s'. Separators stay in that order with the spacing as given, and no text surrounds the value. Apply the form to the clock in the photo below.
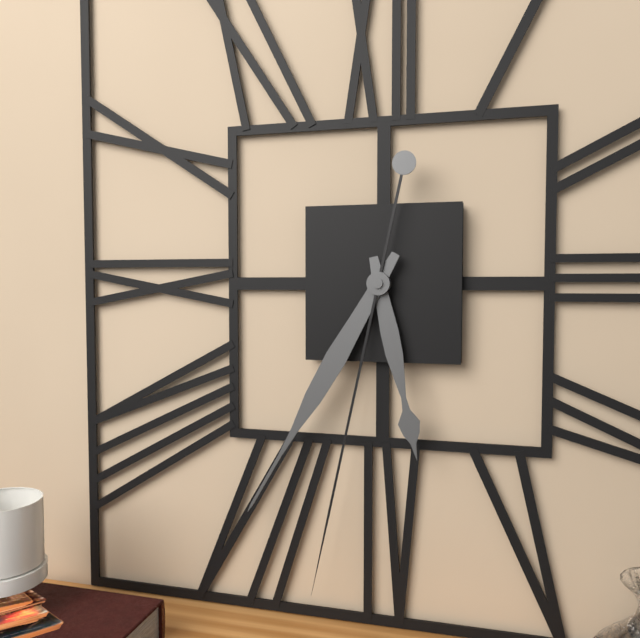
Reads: 5 h 35 min 32 s
